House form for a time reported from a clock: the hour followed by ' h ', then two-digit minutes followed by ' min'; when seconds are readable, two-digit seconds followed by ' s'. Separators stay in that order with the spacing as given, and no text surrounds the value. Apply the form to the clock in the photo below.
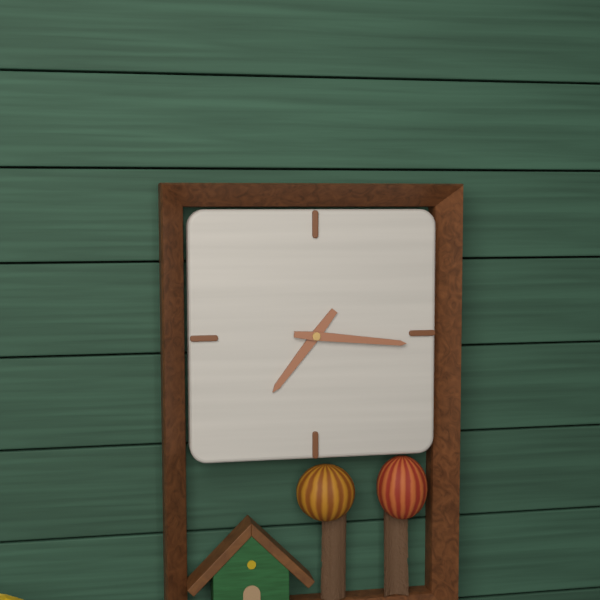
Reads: 7 h 16 min
